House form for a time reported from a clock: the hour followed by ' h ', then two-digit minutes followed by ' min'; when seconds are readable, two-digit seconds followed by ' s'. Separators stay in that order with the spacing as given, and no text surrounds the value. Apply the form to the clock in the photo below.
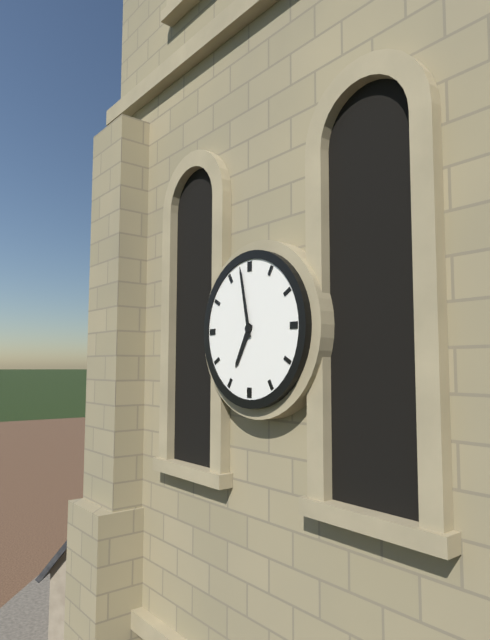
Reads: 6 h 58 min
